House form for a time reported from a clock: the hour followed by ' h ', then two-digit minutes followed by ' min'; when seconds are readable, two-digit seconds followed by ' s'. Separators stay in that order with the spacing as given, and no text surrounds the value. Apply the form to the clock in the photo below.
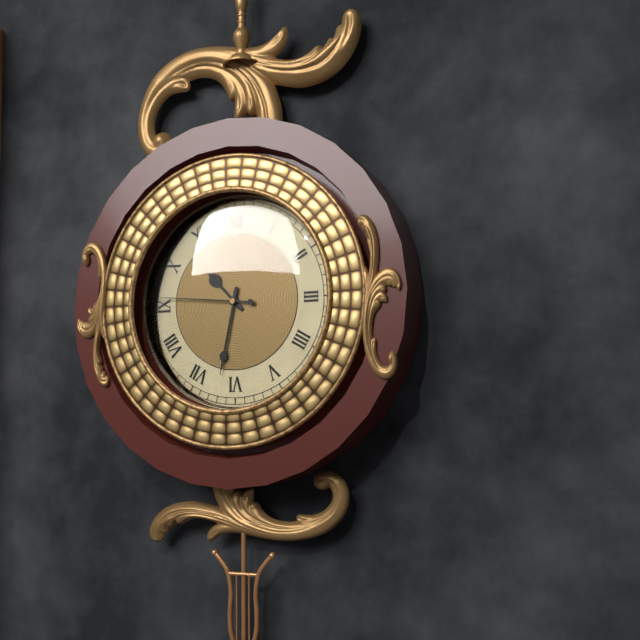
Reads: 10 h 32 min 46 s
